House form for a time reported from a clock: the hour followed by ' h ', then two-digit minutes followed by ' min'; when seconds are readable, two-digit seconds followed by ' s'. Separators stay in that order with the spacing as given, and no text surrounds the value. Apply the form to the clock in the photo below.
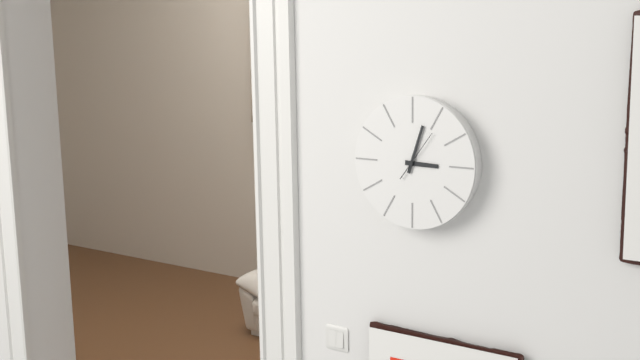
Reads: 3 h 03 min
